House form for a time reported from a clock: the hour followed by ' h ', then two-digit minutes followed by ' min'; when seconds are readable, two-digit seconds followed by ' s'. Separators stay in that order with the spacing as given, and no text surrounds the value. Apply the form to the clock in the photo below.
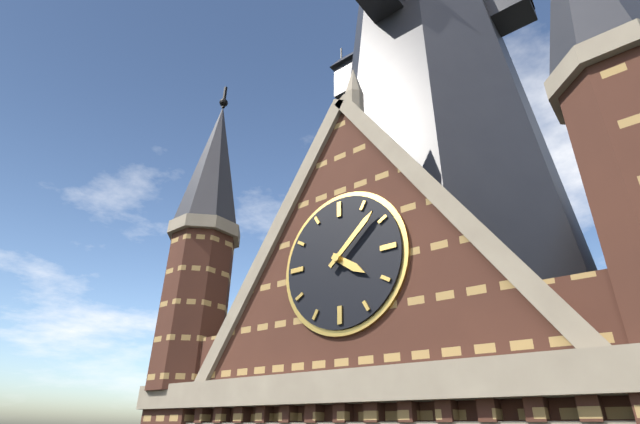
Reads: 4 h 08 min
